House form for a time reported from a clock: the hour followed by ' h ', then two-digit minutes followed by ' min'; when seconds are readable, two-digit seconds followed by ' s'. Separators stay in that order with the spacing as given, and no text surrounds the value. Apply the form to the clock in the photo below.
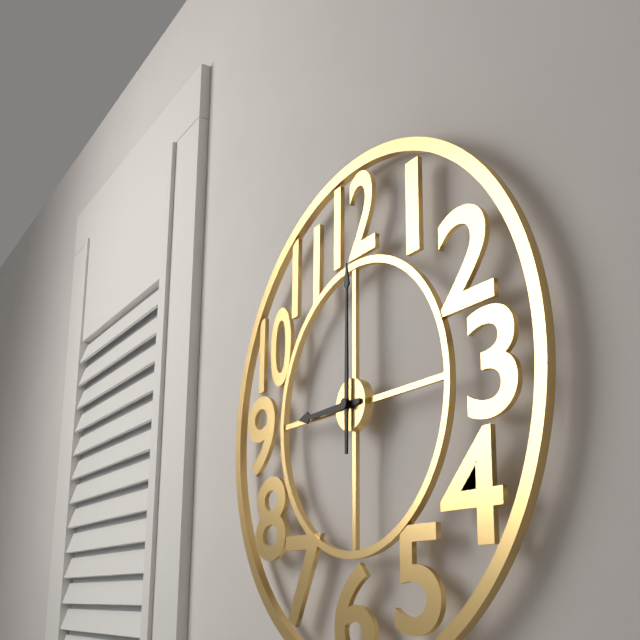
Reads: 9 h 00 min
